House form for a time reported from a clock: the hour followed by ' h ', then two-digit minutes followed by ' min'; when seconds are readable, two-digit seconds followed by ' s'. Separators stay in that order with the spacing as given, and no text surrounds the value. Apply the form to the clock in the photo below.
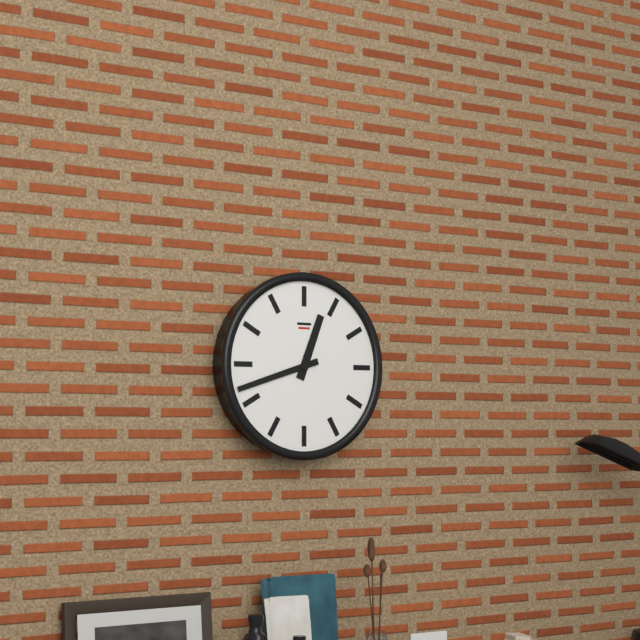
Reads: 12 h 42 min
